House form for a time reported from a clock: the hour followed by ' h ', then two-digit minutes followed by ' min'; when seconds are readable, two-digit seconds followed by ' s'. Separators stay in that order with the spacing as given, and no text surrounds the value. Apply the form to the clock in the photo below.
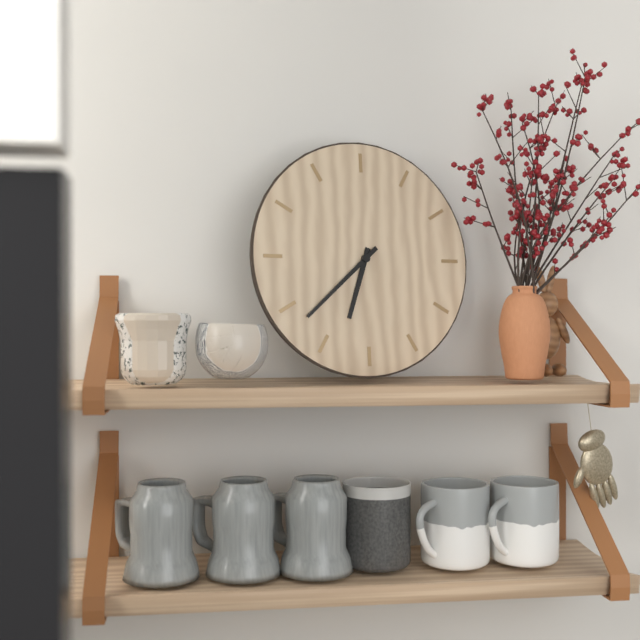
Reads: 6 h 38 min
